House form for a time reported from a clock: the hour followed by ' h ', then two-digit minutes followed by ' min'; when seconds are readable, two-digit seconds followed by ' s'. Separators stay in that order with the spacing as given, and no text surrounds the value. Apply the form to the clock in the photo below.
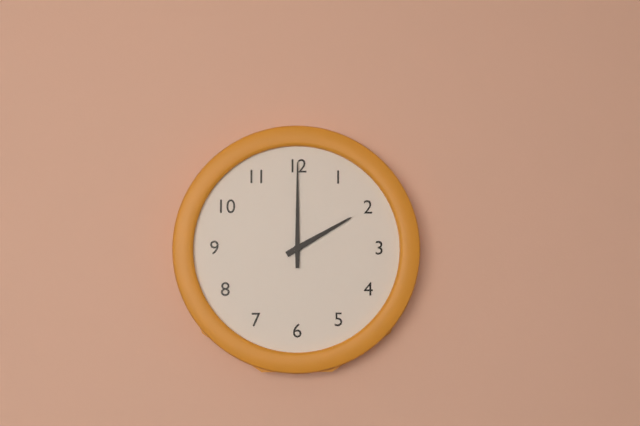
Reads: 2 h 00 min
